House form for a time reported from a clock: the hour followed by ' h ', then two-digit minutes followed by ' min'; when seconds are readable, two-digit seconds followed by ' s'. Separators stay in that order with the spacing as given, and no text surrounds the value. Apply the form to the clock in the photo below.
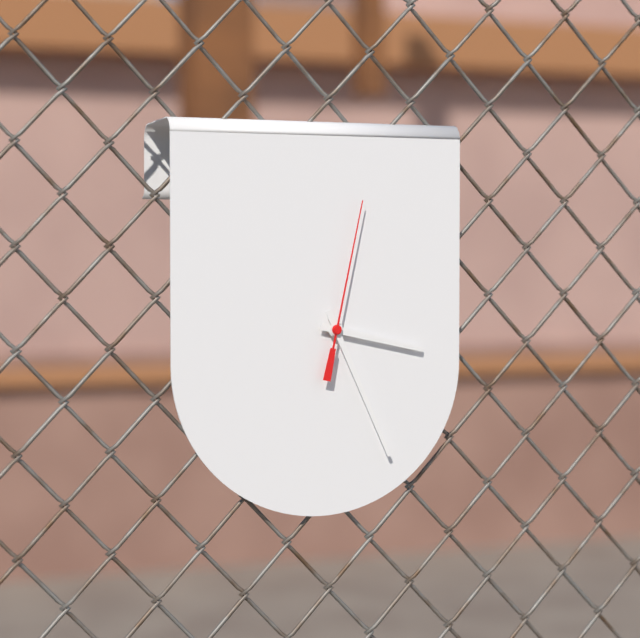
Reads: 3 h 26 min 02 s
